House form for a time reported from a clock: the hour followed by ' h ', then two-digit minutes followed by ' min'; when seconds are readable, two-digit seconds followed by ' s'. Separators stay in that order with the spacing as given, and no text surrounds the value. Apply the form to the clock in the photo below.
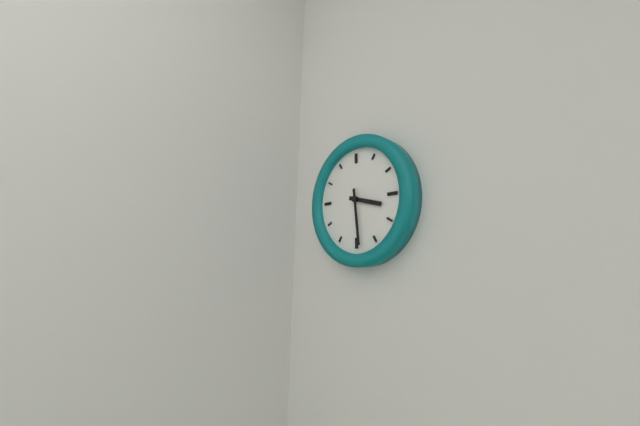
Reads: 3 h 29 min
